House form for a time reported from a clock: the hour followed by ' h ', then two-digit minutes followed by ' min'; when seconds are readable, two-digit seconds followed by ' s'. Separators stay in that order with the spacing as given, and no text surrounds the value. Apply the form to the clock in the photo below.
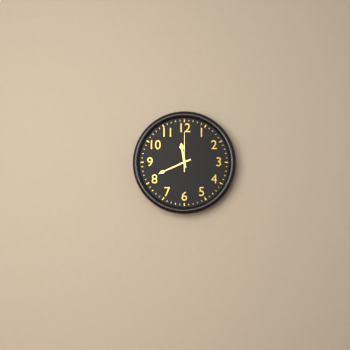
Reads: 11 h 41 min
